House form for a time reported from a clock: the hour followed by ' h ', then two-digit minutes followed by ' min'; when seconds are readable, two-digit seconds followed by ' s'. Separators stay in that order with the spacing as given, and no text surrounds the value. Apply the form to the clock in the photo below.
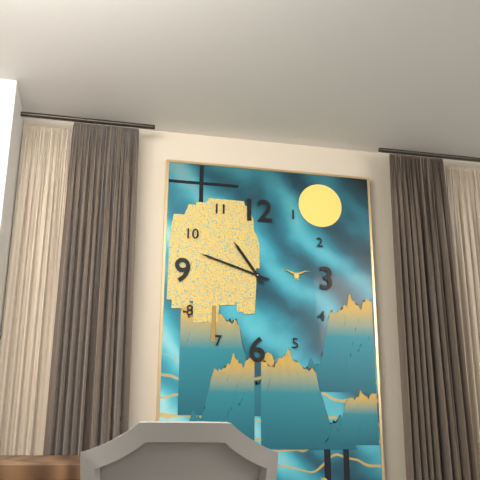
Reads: 10 h 48 min
